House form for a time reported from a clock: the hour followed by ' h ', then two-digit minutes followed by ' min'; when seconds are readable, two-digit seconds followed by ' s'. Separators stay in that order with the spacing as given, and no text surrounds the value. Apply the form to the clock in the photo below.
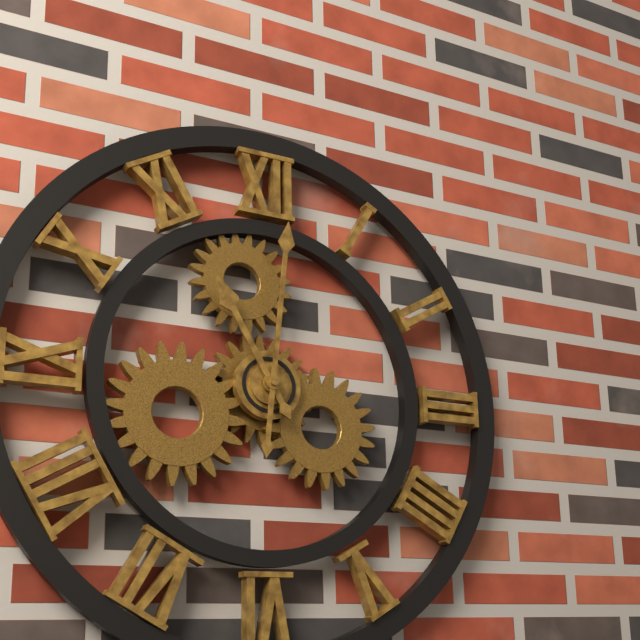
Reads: 11 h 01 min
